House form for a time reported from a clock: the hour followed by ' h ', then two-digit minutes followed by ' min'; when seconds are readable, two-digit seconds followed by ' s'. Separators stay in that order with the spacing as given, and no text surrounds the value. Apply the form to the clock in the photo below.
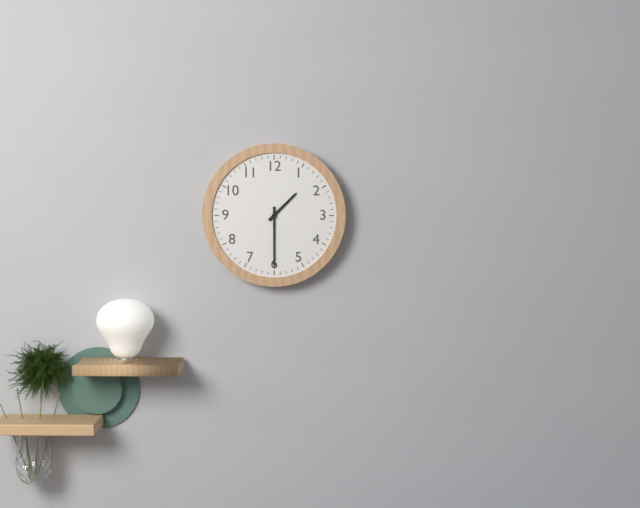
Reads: 1 h 30 min
